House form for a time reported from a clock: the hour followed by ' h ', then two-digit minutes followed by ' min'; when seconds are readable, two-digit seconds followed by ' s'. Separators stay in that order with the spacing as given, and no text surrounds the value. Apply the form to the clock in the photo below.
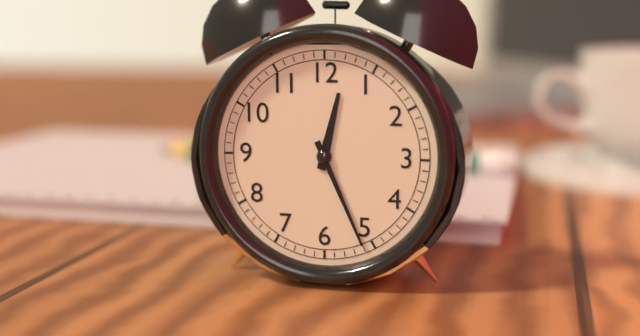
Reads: 12 h 26 min
